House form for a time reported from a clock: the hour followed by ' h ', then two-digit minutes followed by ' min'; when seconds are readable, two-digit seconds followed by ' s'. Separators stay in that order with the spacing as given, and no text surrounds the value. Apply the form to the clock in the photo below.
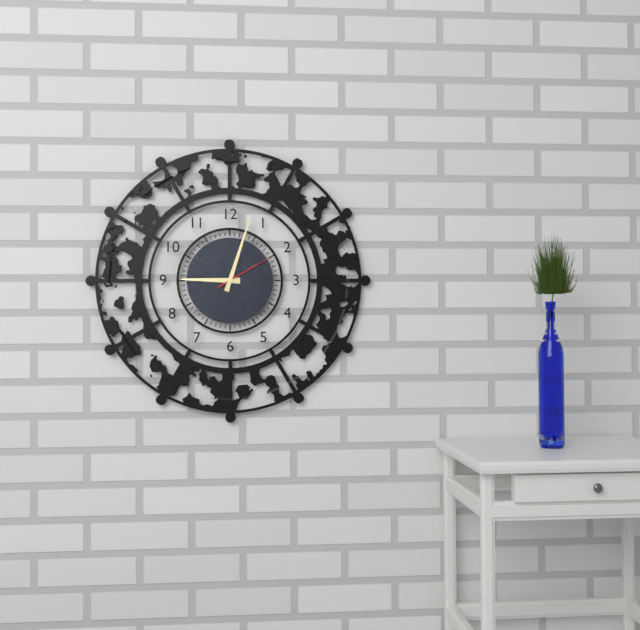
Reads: 9 h 03 min 10 s
